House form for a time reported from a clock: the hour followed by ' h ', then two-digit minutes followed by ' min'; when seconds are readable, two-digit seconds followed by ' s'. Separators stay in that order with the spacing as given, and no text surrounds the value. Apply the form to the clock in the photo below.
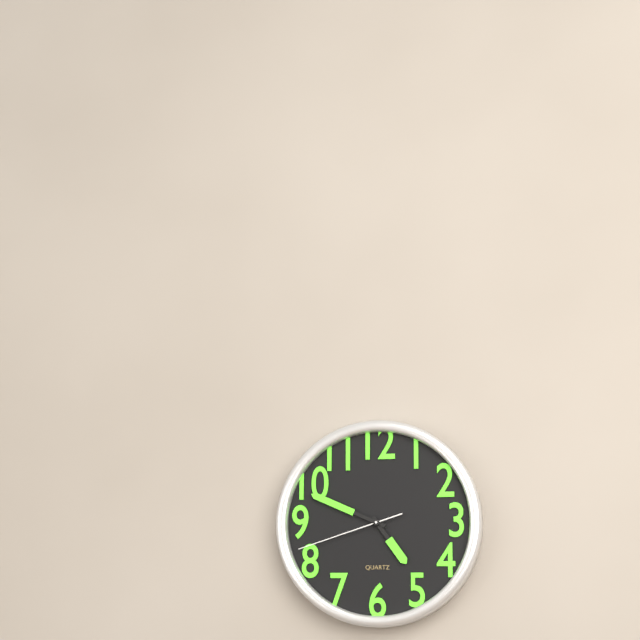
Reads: 4 h 49 min 42 s
